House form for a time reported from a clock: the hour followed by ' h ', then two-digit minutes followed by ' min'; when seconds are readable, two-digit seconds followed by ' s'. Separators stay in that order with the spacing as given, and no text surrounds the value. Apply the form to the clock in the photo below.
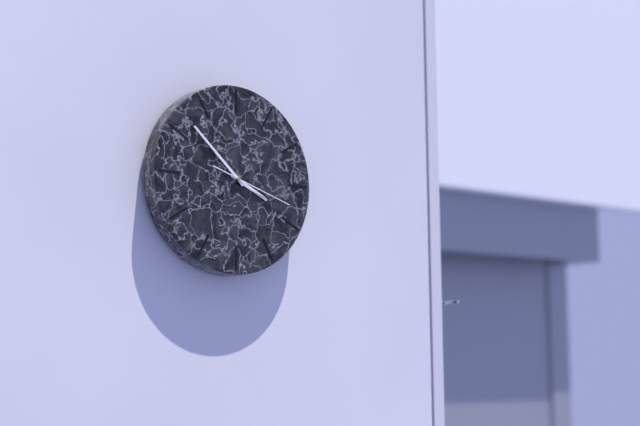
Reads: 3 h 52 min 18 s
